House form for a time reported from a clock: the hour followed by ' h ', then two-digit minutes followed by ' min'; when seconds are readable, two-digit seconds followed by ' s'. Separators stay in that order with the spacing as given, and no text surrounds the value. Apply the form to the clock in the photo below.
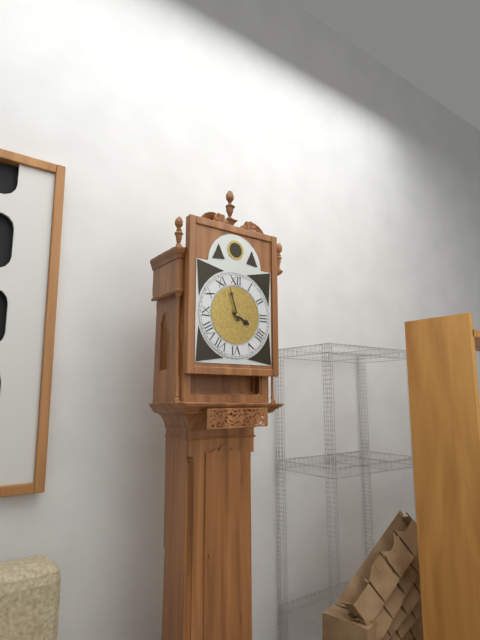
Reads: 3 h 57 min
